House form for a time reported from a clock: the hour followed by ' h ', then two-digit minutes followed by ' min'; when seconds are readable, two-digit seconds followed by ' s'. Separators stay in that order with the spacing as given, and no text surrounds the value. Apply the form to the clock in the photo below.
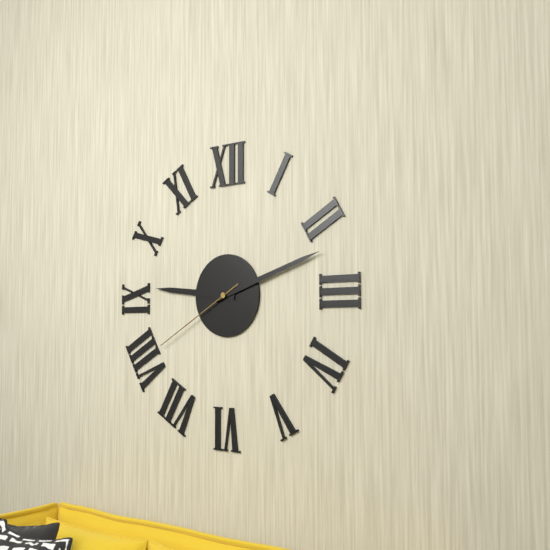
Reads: 9 h 12 min 40 s
